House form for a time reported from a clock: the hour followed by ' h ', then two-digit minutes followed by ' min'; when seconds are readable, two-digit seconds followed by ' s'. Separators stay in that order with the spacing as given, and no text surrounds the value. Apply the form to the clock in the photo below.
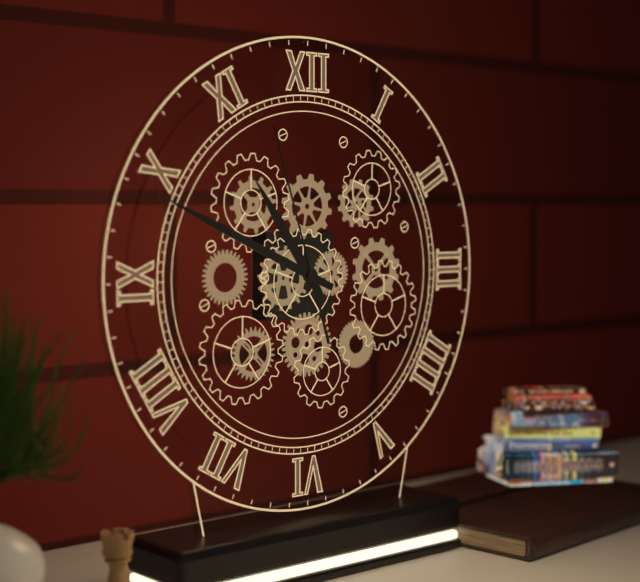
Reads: 10 h 49 min 57 s
